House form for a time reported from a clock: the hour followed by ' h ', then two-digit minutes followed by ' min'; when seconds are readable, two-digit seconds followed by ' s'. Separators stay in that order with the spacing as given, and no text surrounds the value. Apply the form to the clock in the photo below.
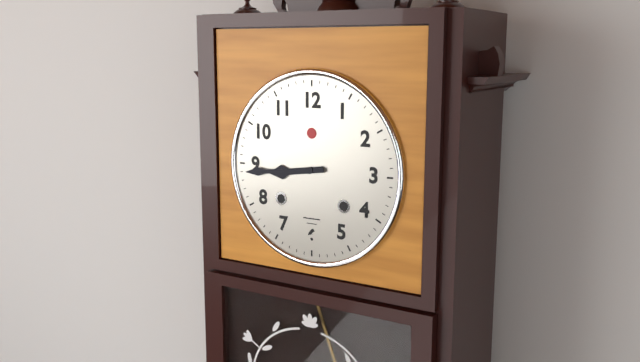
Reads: 8 h 44 min
